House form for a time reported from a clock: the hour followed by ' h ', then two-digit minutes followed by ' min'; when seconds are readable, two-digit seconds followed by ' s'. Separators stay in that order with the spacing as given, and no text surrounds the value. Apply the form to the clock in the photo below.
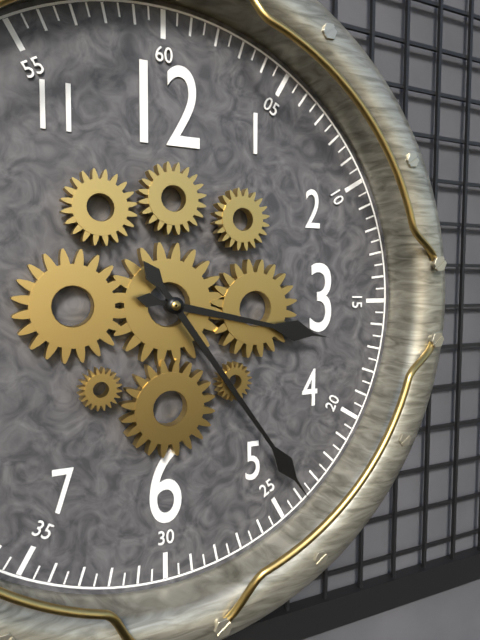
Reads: 3 h 24 min
